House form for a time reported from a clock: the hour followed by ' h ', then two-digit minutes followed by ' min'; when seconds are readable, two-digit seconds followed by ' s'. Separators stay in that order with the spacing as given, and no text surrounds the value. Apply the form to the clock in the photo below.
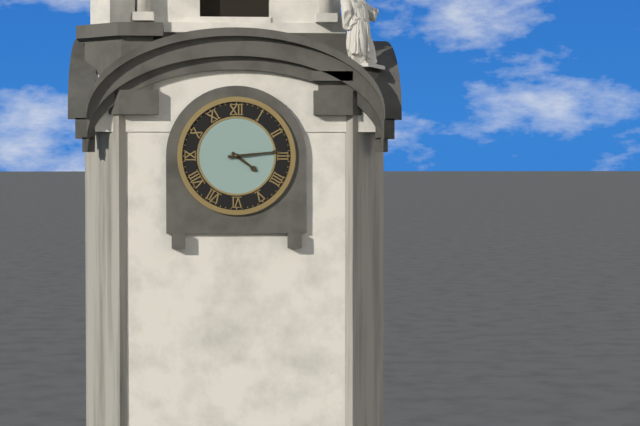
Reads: 4 h 14 min
